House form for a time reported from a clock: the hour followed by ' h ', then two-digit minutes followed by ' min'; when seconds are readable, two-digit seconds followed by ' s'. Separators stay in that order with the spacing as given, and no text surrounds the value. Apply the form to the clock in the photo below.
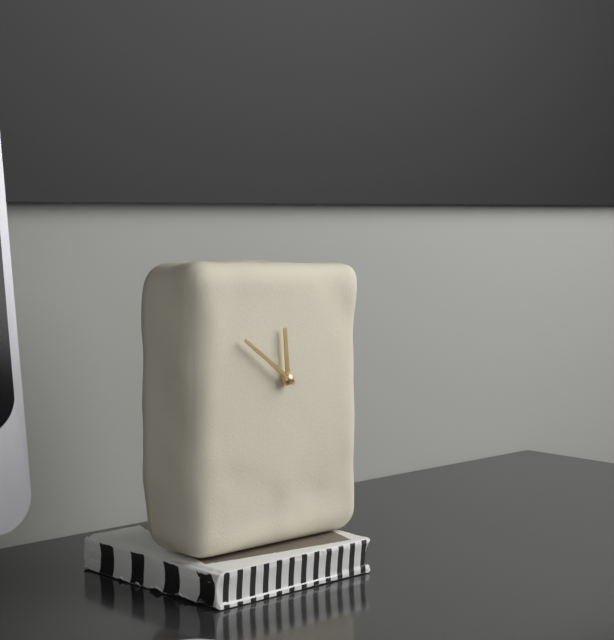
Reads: 11 h 51 min
